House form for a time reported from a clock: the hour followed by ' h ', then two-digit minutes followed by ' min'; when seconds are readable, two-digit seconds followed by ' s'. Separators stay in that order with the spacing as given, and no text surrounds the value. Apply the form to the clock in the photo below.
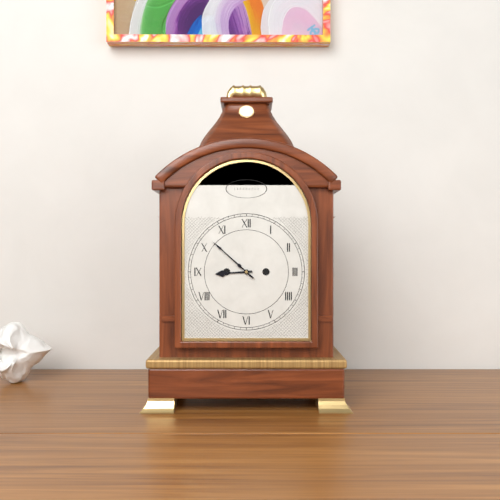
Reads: 8 h 52 min
